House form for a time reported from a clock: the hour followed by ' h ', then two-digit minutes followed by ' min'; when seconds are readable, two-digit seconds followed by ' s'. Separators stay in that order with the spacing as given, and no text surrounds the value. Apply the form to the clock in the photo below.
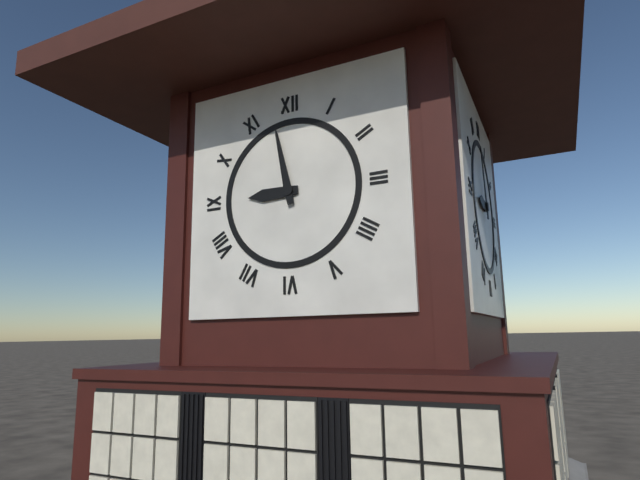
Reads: 8 h 58 min
